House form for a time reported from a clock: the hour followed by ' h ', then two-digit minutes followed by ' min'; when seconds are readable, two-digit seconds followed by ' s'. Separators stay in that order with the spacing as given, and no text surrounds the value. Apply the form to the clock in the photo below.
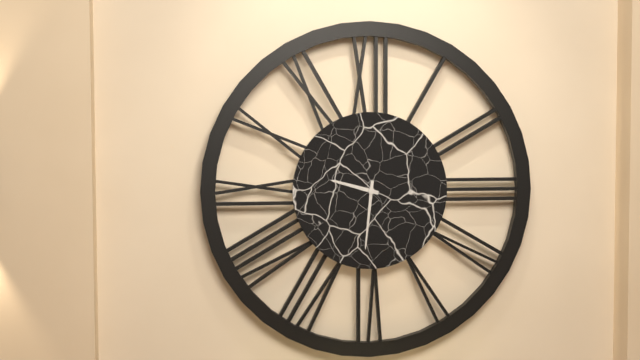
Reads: 9 h 31 min
